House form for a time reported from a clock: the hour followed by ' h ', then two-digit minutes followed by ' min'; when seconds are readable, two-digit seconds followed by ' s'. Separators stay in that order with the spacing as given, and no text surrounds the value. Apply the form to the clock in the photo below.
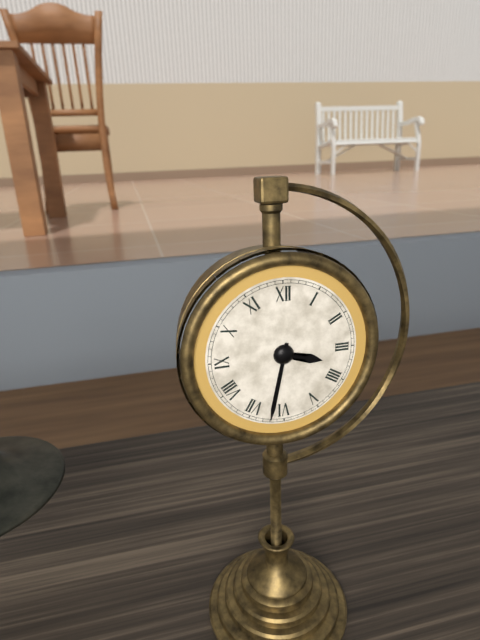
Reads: 3 h 32 min
